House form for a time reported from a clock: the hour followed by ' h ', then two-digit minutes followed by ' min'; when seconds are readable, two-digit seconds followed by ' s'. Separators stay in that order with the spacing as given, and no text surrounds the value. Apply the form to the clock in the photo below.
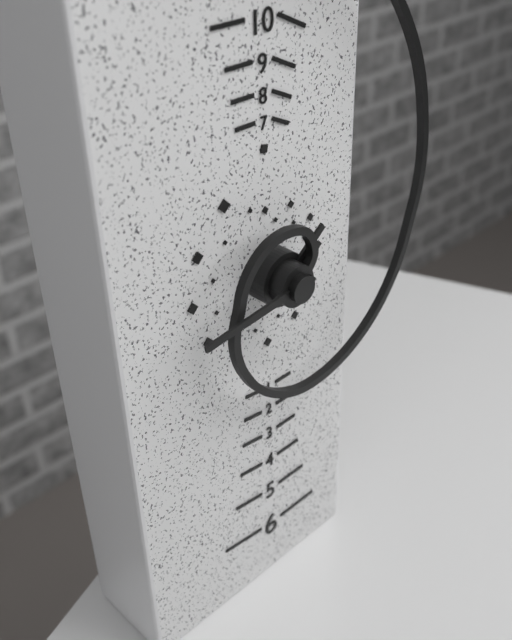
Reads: 1 h 44 min
